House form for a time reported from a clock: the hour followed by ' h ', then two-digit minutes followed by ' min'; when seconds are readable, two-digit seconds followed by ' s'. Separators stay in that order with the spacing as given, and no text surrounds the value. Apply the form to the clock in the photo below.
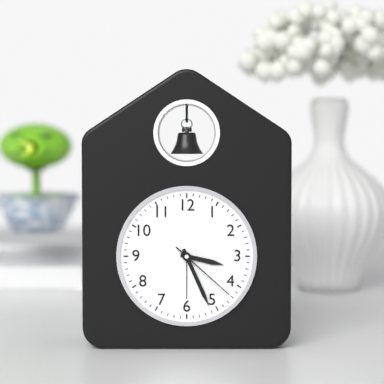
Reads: 3 h 26 min 22 s
